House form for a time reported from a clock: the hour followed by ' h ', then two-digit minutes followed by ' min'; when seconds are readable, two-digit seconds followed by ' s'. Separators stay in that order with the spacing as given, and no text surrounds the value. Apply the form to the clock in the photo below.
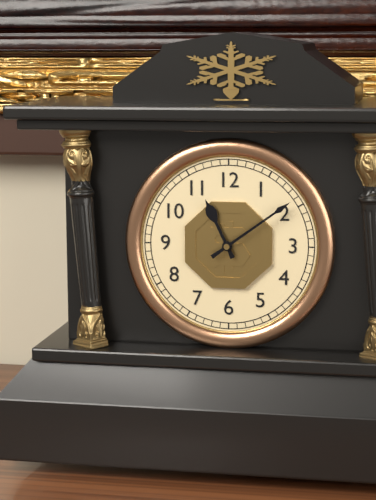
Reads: 11 h 09 min
